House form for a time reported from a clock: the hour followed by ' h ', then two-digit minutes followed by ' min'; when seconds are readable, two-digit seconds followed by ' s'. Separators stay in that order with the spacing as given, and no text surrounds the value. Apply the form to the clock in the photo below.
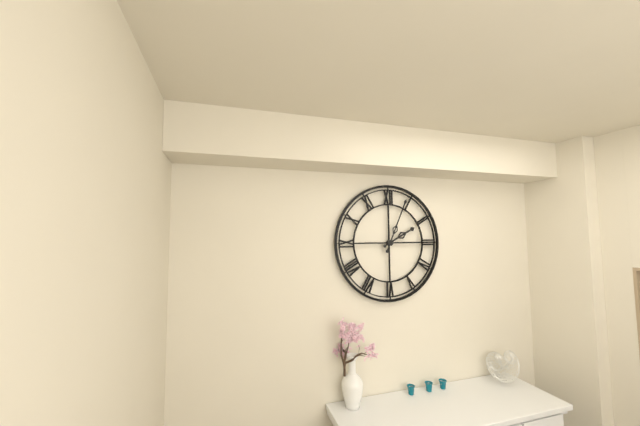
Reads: 2 h 04 min
